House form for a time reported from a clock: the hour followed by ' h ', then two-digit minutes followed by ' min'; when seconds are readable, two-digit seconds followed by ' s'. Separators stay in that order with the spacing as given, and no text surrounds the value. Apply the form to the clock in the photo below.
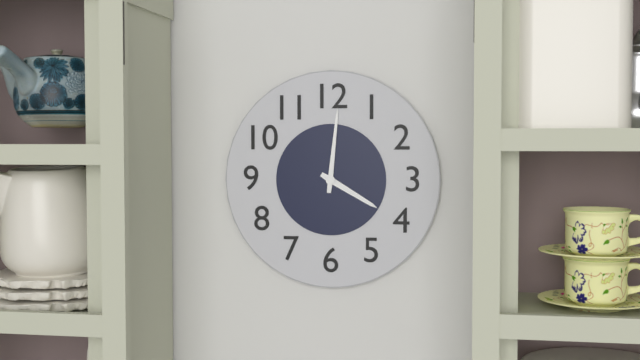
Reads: 4 h 01 min
